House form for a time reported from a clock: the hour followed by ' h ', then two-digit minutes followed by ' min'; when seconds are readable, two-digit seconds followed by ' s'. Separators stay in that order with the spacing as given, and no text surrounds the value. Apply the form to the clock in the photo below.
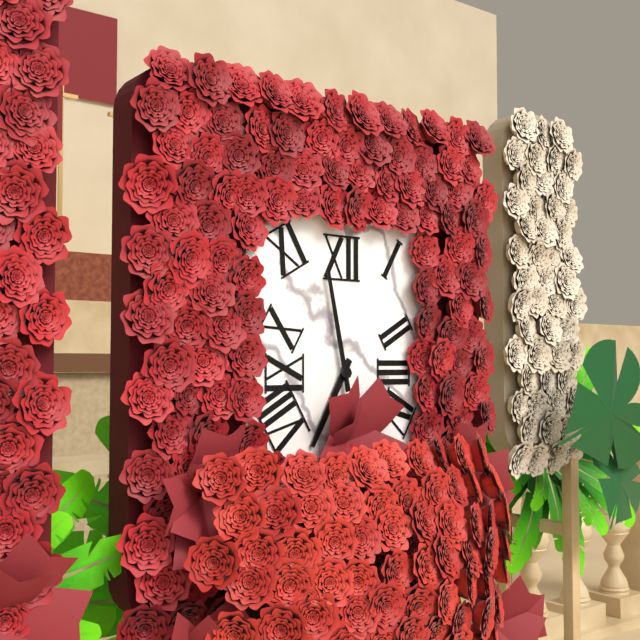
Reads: 6 h 58 min
